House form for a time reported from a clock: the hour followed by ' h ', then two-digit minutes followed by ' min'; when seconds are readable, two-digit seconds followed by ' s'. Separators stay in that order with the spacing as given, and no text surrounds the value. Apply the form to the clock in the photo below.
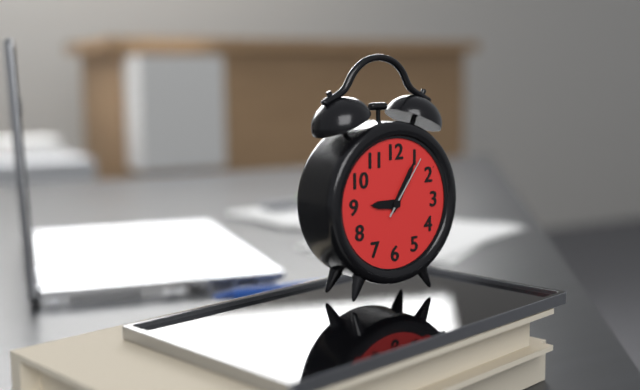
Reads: 9 h 05 min 06 s
